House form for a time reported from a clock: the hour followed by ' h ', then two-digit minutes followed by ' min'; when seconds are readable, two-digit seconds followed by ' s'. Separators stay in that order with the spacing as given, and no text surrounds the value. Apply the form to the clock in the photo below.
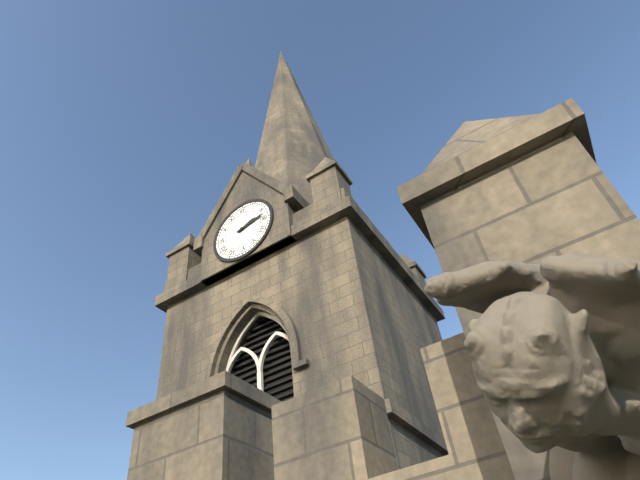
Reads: 2 h 13 min
